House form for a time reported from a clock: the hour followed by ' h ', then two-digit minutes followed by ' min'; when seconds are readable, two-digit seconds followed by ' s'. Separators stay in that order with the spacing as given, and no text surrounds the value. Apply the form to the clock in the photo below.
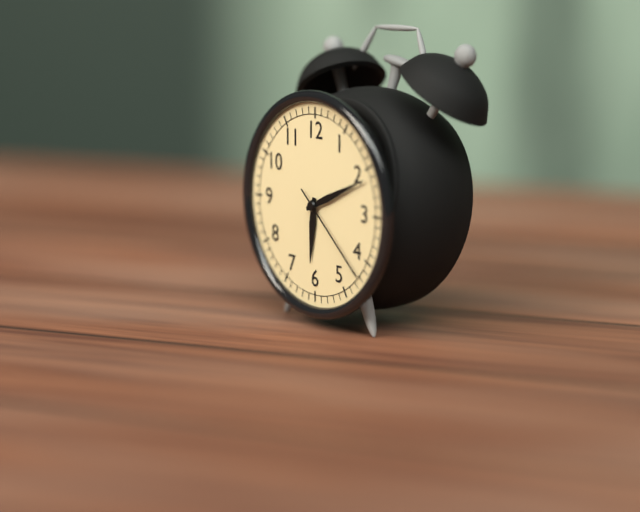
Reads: 6 h 11 min 22 s
